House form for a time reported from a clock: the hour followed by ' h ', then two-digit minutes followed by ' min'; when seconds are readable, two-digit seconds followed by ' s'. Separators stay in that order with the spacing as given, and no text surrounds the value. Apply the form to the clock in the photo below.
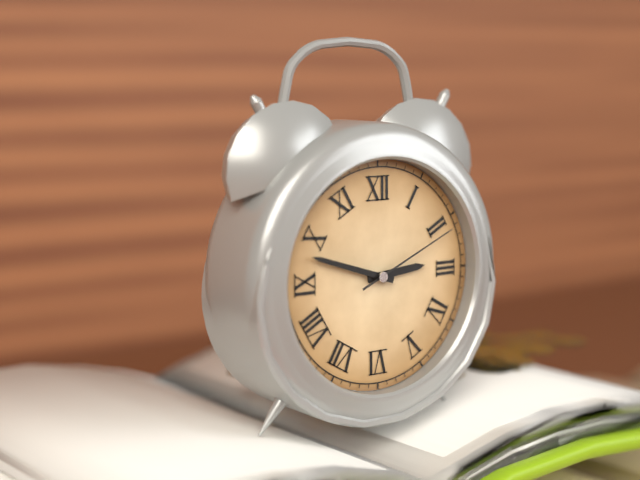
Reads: 2 h 48 min 11 s
